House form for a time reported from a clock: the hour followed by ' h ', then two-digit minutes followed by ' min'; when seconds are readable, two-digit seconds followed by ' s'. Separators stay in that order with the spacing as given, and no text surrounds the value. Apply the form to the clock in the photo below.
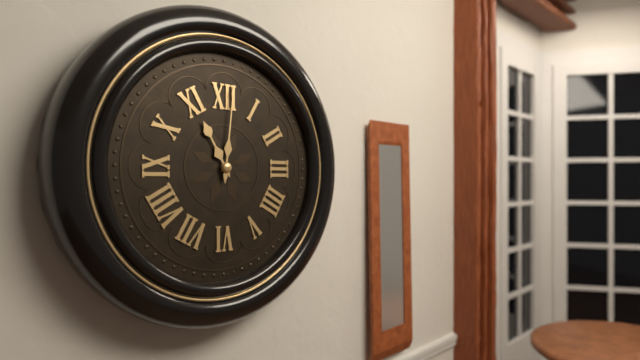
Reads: 11 h 01 min
